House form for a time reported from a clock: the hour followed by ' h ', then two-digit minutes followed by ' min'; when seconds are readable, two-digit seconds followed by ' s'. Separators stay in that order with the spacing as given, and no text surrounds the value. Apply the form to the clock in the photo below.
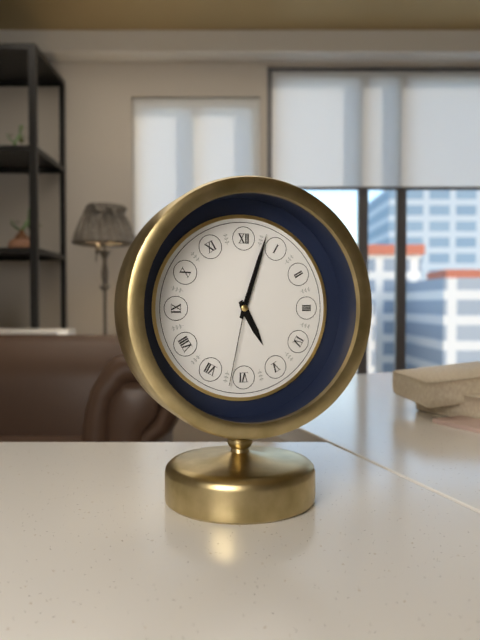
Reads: 5 h 03 min 32 s
